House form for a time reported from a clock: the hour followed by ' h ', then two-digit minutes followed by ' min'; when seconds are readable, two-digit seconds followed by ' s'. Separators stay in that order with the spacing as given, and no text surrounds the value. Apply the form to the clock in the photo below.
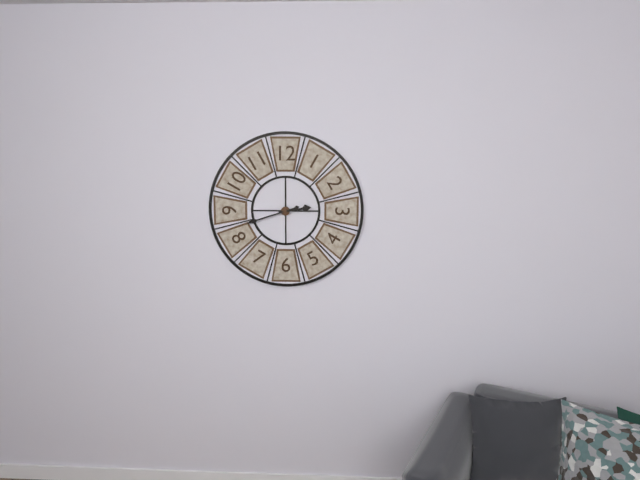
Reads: 2 h 42 min
